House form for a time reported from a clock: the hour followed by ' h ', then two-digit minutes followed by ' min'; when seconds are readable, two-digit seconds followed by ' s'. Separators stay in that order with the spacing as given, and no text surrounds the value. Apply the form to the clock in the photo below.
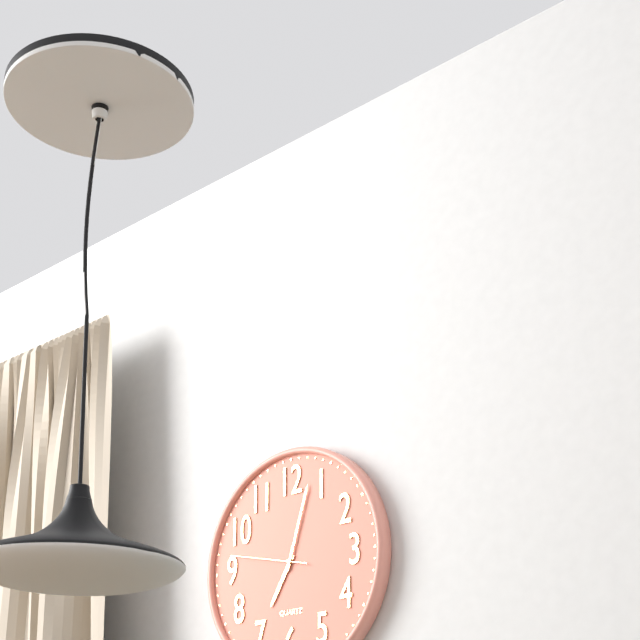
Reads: 7 h 03 min 47 s
